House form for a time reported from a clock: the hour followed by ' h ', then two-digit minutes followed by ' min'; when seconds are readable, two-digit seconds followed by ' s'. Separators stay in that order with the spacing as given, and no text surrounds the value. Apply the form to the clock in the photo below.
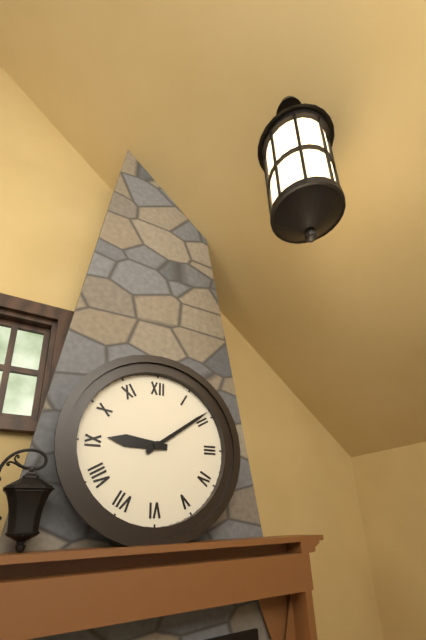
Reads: 9 h 09 min
